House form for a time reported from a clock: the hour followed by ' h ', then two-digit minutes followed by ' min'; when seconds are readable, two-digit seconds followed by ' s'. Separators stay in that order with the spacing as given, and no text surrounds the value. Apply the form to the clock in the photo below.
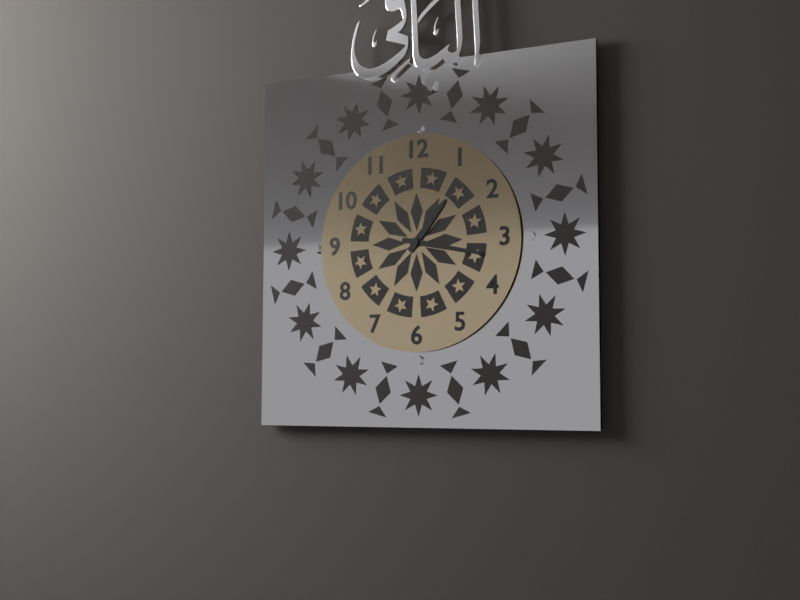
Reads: 1 h 17 min
